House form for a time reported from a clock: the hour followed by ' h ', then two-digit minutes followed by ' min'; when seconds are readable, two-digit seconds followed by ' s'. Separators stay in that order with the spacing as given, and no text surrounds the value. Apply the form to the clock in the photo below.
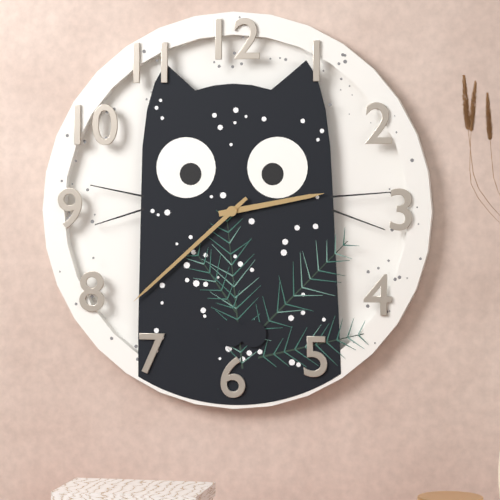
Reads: 2 h 38 min
